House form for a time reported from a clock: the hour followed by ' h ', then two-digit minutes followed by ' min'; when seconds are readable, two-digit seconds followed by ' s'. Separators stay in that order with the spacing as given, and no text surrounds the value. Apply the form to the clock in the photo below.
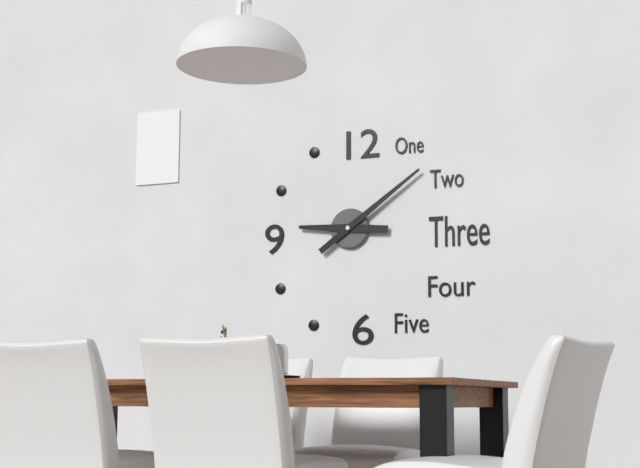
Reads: 9 h 09 min
